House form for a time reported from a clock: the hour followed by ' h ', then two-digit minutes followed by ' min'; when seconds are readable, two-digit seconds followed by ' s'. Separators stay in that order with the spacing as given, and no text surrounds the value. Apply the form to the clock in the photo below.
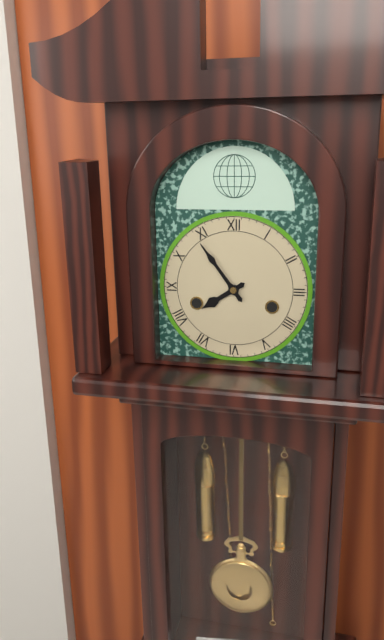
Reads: 7 h 54 min
